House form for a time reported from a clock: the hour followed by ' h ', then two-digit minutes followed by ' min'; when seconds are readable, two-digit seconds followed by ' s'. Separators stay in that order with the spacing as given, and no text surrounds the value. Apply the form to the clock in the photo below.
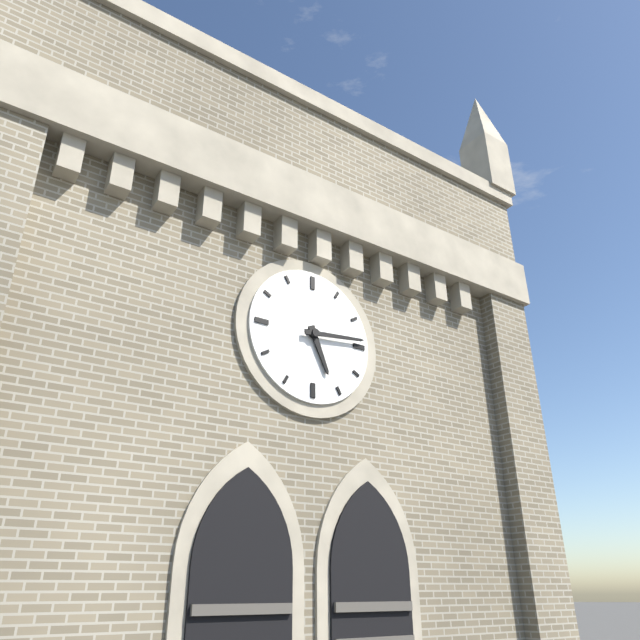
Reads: 5 h 14 min
